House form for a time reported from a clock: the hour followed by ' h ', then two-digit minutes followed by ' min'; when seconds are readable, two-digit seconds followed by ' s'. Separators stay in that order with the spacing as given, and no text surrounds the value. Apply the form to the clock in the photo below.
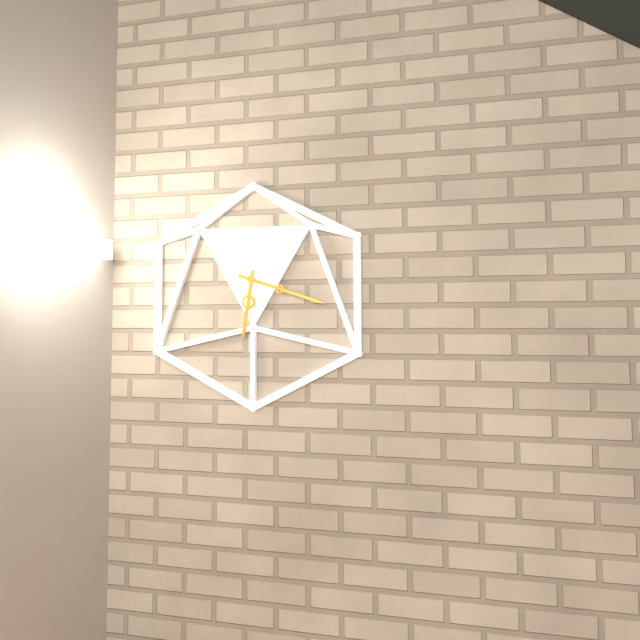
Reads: 6 h 18 min
